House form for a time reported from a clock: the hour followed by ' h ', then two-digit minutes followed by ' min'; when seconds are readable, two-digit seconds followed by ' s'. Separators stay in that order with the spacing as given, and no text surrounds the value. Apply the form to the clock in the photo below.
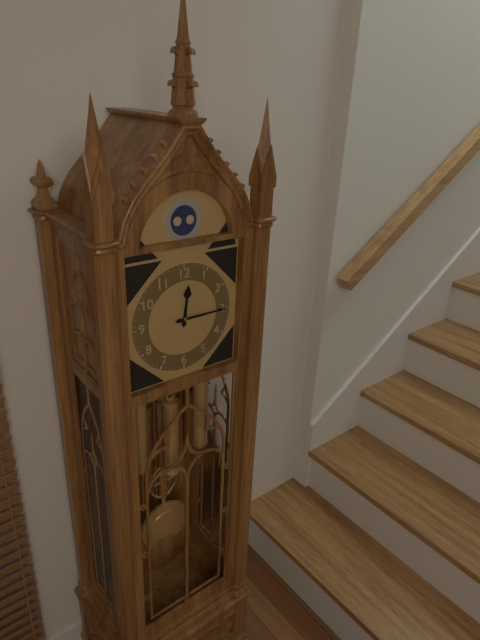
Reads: 12 h 15 min
